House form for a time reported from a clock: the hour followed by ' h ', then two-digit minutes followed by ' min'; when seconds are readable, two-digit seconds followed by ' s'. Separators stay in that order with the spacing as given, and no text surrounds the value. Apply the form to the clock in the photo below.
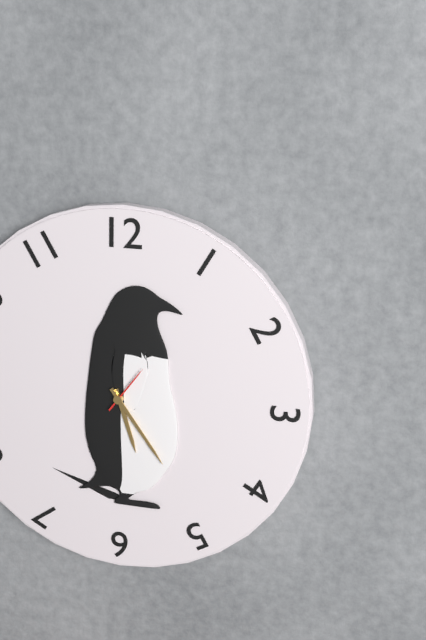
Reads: 5 h 24 min
